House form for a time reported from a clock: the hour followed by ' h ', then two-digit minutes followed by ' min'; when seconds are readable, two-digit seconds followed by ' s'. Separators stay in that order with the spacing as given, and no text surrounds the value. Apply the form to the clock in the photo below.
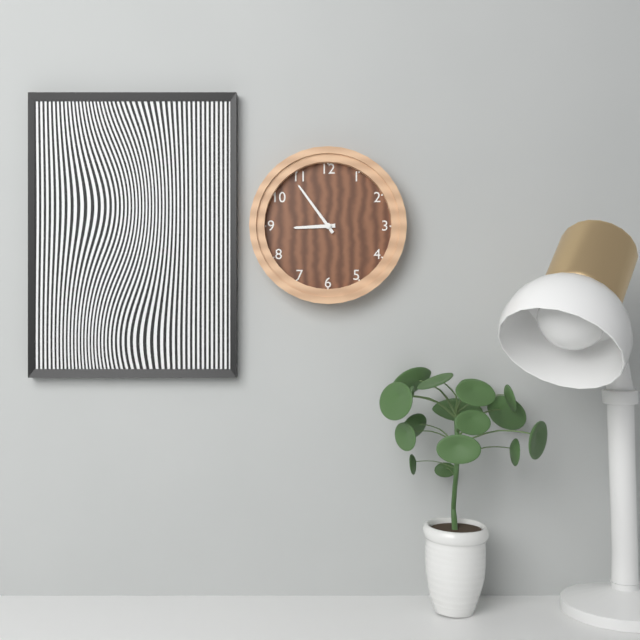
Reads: 8 h 54 min
